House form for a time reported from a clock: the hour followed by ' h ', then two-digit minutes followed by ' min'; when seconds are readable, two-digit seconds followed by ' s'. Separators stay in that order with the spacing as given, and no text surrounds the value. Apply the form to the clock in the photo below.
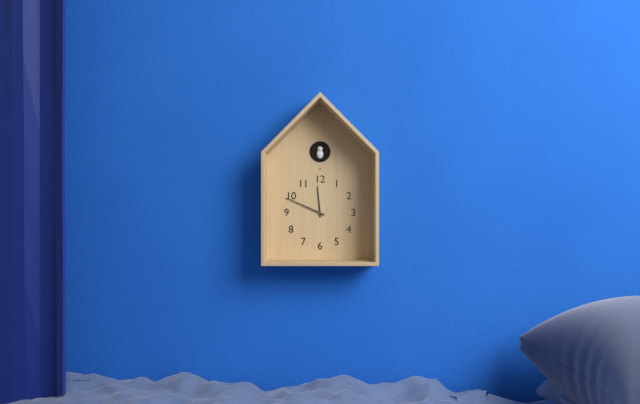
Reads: 11 h 49 min
